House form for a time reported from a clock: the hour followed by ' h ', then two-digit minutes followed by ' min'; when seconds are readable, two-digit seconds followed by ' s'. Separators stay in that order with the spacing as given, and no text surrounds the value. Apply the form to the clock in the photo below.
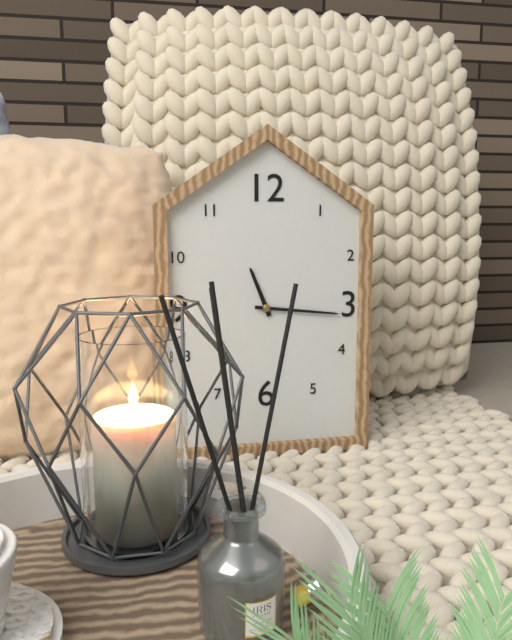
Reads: 11 h 16 min
